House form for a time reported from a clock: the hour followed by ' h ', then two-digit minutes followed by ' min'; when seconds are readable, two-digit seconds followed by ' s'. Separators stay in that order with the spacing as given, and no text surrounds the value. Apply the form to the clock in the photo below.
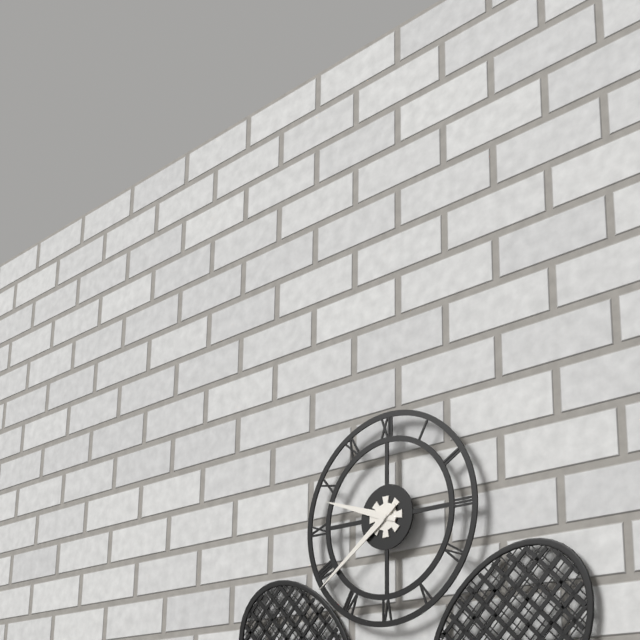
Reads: 9 h 39 min
